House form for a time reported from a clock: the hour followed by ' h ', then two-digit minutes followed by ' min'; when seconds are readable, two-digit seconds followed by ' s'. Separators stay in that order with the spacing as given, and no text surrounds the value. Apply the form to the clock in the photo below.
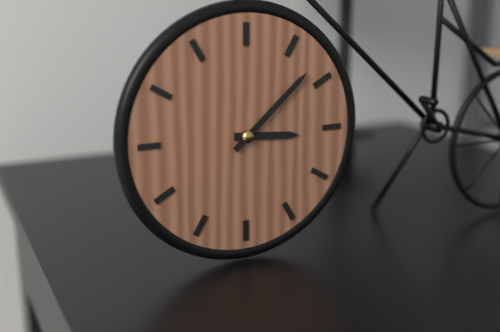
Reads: 3 h 08 min
